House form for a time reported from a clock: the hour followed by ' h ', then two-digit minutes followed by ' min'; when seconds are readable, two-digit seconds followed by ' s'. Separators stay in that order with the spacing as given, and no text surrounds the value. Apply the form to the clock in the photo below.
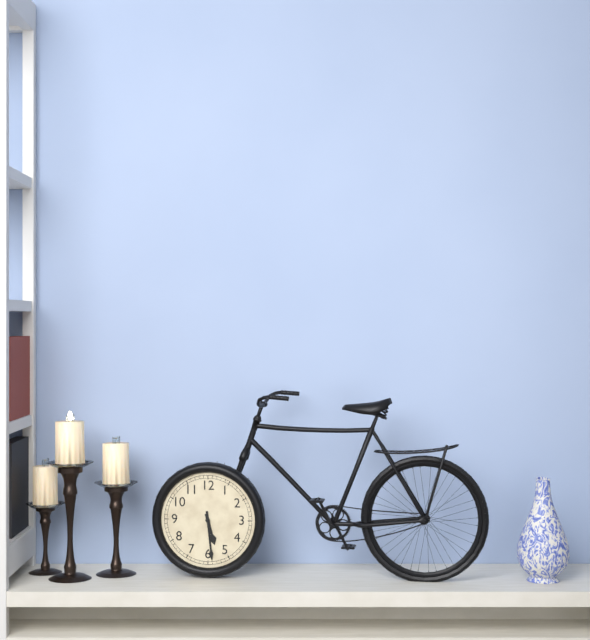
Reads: 5 h 29 min
